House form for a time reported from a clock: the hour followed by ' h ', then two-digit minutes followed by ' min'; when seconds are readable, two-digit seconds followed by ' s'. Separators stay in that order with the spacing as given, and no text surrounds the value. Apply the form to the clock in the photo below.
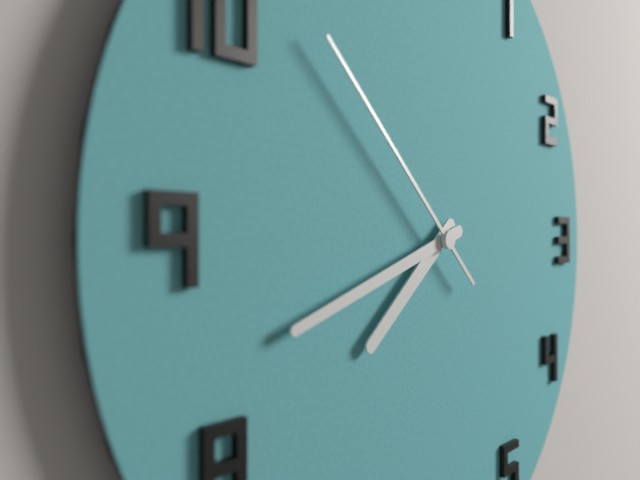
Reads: 7 h 42 min 52 s
